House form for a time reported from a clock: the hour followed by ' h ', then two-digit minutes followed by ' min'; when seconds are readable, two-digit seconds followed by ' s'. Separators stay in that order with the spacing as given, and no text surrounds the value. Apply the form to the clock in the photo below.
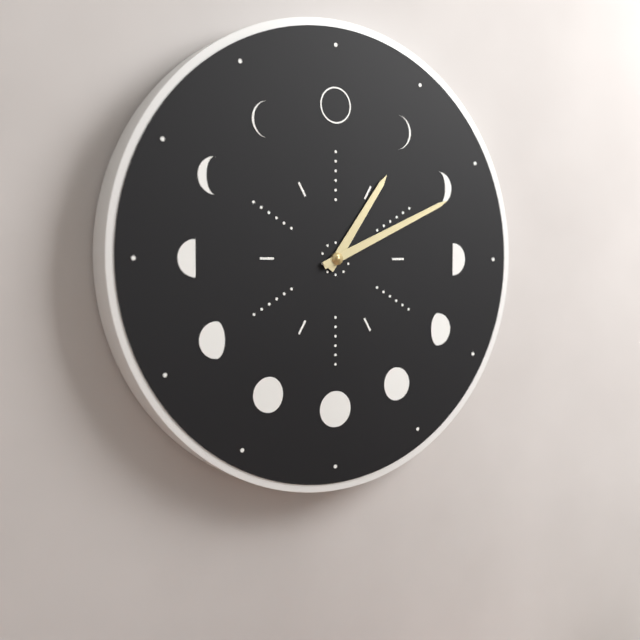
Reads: 1 h 11 min
